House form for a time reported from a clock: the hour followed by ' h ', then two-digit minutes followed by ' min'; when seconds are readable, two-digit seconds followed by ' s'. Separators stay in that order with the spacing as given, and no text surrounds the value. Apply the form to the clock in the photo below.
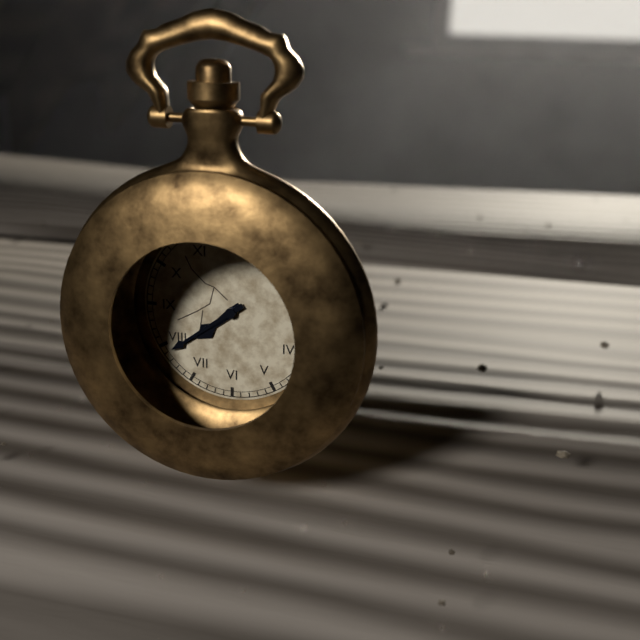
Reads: 7 h 39 min
